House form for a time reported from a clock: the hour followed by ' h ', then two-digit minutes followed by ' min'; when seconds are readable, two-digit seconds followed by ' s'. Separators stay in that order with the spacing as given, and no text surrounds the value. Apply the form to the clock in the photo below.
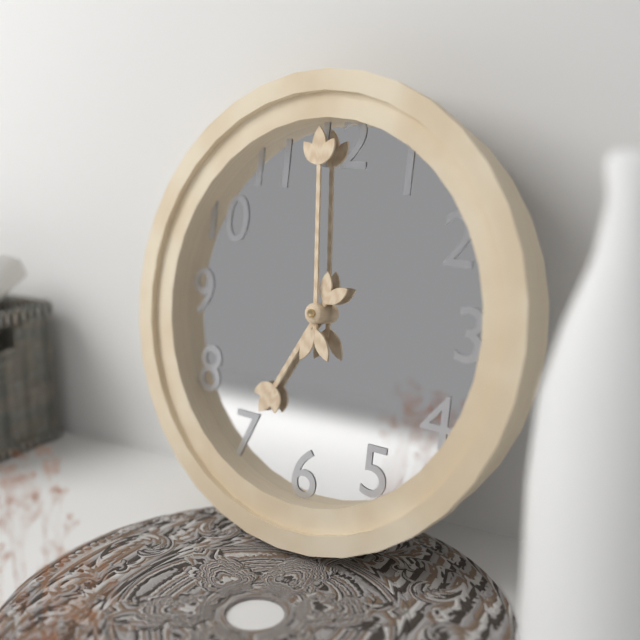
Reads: 6 h 59 min
